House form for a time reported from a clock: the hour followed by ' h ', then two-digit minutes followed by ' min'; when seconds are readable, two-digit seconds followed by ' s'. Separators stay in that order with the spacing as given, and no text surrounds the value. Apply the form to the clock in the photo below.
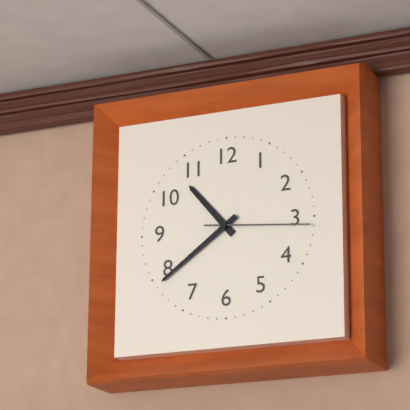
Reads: 10 h 39 min 16 s
